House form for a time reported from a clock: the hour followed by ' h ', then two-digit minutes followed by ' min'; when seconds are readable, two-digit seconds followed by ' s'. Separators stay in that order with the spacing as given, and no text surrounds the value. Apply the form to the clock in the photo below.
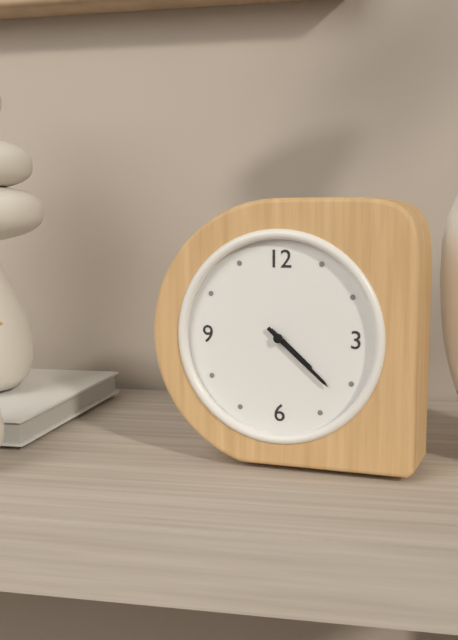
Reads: 4 h 22 min
